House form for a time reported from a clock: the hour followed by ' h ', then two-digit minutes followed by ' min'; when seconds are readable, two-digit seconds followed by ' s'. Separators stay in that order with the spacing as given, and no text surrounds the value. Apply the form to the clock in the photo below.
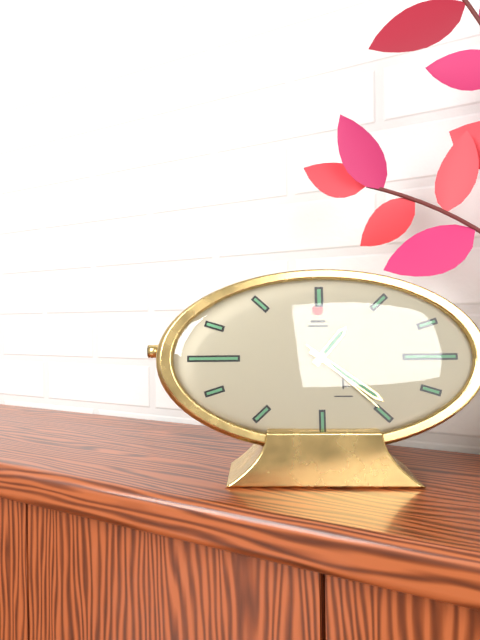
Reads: 1 h 21 min 22 s
